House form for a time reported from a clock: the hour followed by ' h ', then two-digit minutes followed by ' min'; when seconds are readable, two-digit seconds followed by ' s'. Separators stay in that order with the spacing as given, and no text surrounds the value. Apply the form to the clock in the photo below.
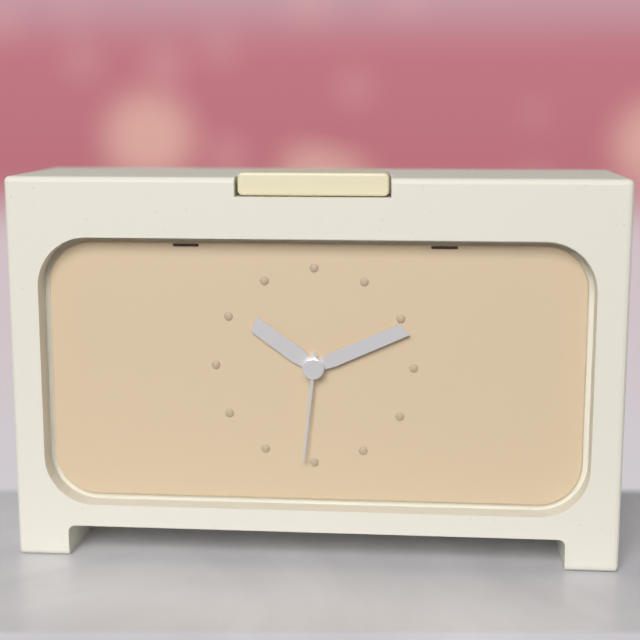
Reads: 10 h 11 min 31 s
